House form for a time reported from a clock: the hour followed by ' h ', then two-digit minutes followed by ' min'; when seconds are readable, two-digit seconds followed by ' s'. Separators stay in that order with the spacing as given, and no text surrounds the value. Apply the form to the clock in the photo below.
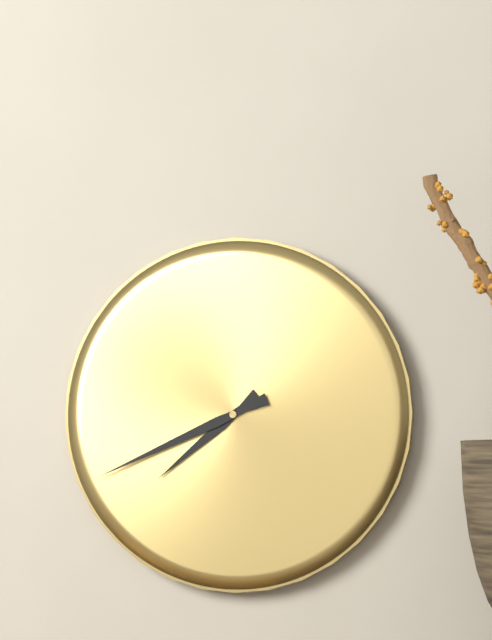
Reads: 7 h 41 min
